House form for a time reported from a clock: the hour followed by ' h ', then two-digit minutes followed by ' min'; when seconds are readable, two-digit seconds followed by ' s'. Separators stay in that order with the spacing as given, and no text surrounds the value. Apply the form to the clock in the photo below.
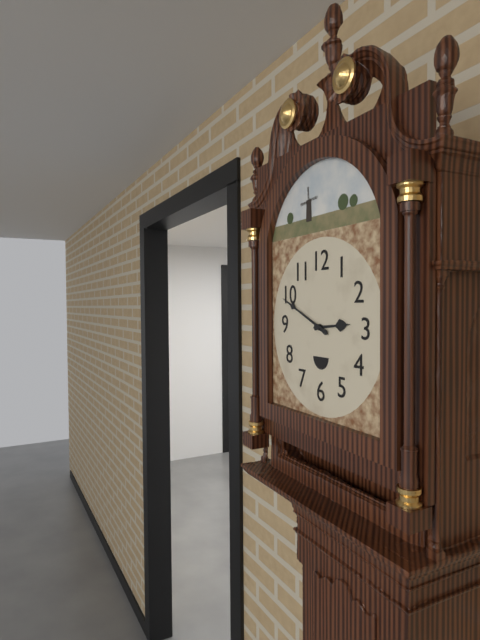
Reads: 2 h 49 min
